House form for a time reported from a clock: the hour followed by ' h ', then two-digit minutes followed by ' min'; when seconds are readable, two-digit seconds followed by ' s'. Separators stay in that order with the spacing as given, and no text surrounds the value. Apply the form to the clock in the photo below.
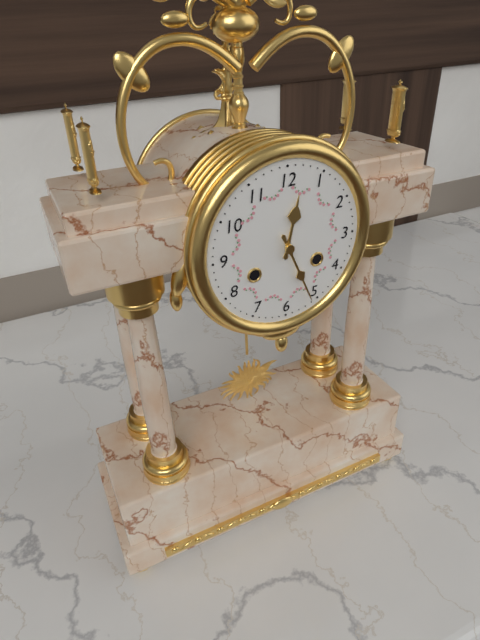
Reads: 12 h 26 min
